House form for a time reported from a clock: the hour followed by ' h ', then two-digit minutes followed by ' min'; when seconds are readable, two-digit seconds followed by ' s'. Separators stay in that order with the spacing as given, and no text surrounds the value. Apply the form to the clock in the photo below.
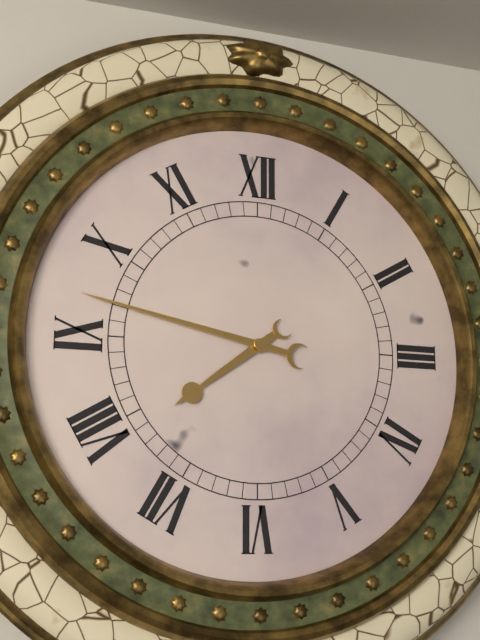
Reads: 7 h 47 min
